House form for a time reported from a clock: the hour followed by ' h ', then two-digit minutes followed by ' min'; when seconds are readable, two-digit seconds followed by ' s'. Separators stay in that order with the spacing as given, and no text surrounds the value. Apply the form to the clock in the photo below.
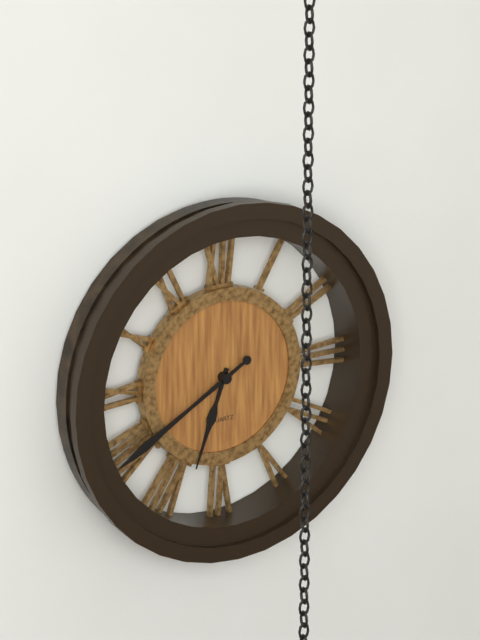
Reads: 6 h 40 min
